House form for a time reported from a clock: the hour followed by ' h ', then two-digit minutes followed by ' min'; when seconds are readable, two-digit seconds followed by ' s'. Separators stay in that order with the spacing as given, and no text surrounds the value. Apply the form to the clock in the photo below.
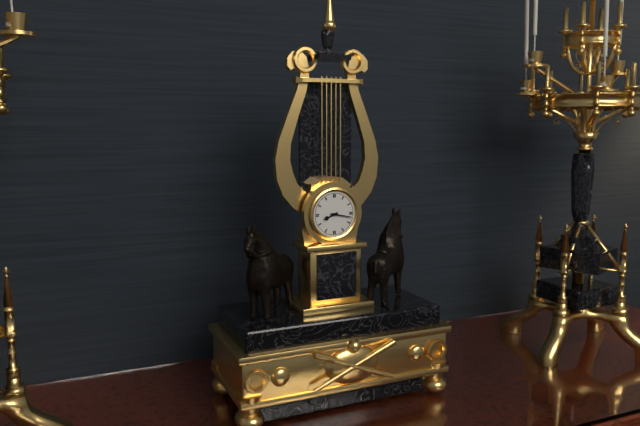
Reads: 8 h 17 min
